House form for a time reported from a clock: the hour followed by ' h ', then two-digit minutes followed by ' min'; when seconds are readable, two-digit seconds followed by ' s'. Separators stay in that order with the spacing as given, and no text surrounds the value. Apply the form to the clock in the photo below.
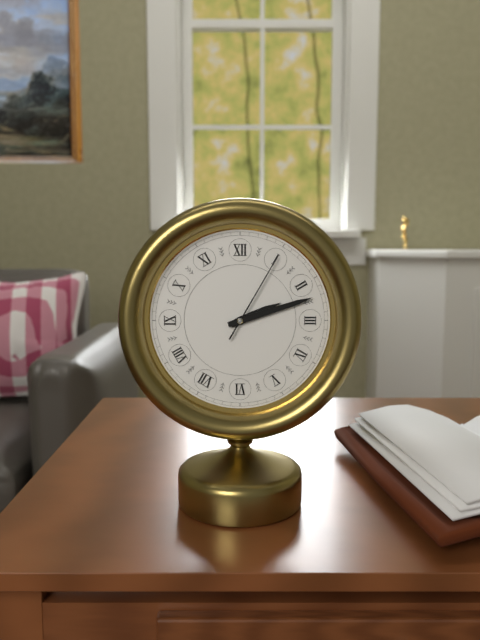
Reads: 2 h 12 min 05 s
